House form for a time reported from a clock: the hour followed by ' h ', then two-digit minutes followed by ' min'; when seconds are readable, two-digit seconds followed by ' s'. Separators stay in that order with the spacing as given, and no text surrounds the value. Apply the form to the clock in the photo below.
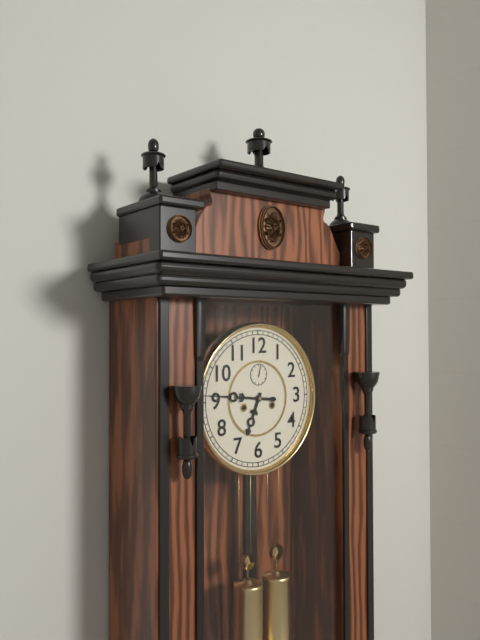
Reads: 6 h 46 min
